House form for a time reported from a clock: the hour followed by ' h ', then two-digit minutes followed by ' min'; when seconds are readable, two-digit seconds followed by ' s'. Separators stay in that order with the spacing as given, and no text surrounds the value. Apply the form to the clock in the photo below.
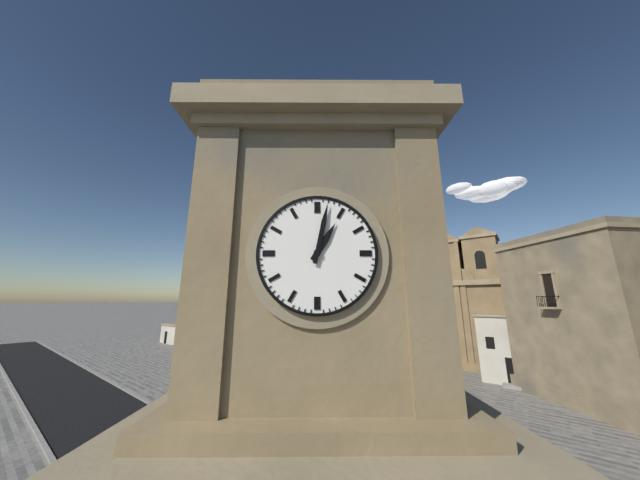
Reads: 1 h 02 min
